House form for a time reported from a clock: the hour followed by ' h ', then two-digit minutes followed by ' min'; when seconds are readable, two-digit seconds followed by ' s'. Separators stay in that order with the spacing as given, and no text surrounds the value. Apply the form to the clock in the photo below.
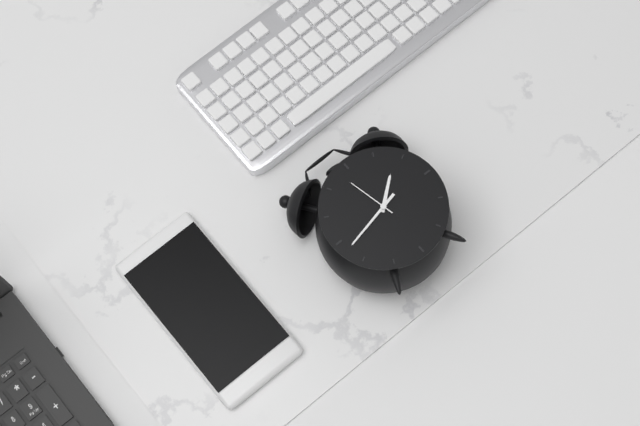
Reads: 1 h 43 min 58 s
